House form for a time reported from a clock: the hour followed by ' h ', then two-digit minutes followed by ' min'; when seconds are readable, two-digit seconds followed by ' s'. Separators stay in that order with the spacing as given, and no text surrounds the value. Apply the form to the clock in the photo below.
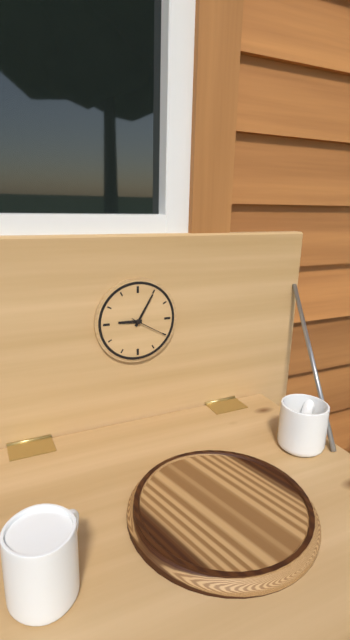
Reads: 9 h 05 min
